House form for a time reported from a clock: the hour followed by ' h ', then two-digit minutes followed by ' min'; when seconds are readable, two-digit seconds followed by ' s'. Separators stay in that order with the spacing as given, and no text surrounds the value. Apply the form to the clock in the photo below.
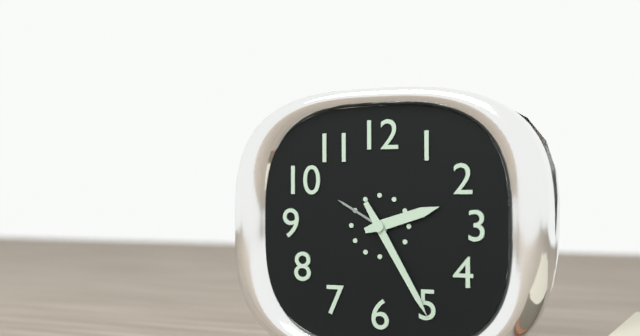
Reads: 2 h 25 min
